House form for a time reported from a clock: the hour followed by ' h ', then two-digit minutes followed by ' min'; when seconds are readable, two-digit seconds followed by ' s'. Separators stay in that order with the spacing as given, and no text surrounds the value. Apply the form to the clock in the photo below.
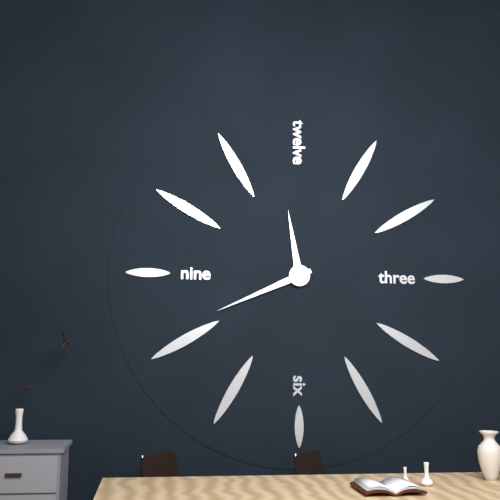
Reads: 11 h 41 min
